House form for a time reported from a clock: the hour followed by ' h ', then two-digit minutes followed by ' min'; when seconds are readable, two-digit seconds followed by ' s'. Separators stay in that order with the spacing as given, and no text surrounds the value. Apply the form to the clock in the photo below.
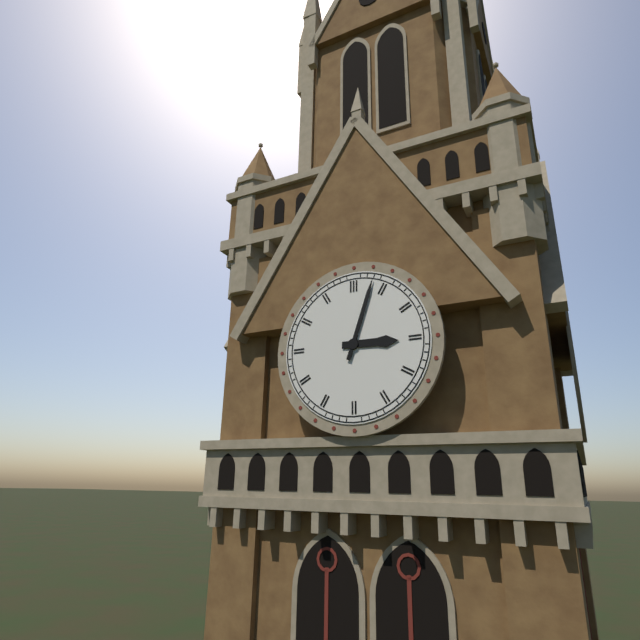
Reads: 3 h 03 min
